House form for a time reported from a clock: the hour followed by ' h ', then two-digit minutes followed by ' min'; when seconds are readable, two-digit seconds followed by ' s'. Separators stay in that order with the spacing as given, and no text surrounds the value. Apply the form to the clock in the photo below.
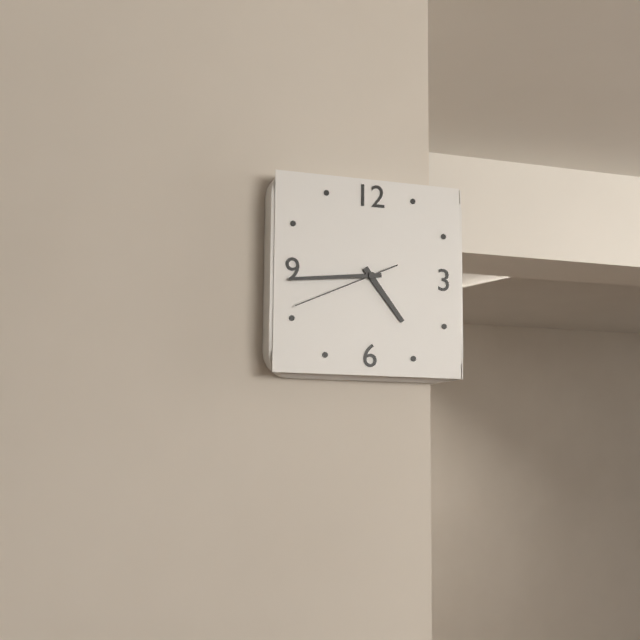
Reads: 4 h 44 min 41 s
